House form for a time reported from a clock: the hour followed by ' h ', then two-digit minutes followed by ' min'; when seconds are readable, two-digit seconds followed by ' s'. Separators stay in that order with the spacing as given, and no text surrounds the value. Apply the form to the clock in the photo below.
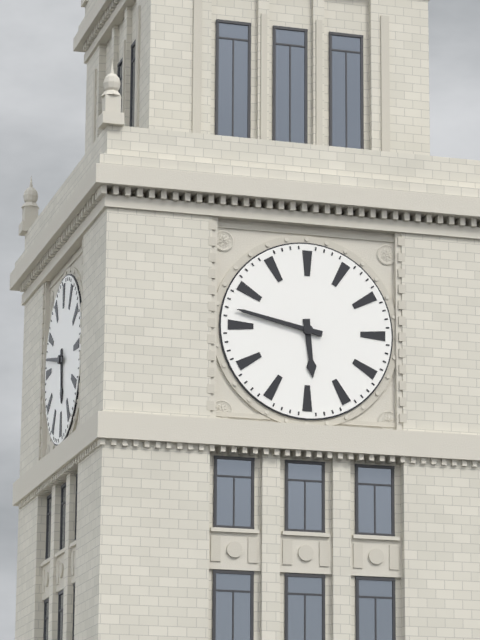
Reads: 5 h 47 min
